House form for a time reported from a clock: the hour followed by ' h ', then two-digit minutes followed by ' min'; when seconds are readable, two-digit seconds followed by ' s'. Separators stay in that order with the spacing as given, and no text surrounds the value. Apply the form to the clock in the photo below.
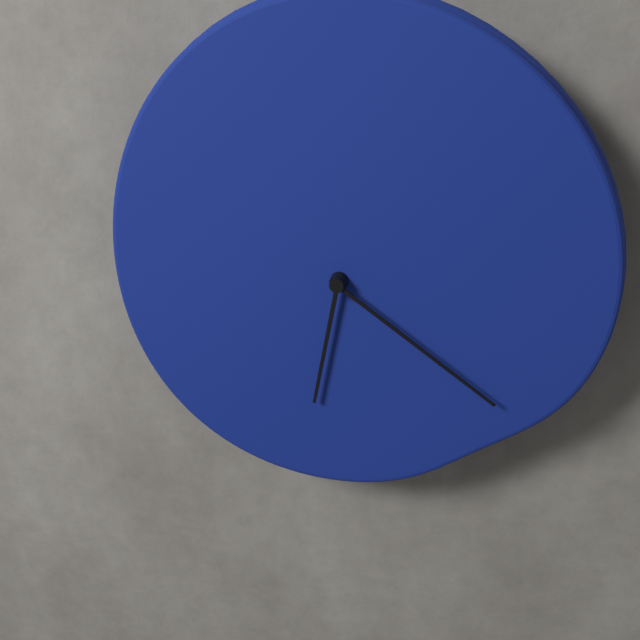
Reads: 6 h 21 min
